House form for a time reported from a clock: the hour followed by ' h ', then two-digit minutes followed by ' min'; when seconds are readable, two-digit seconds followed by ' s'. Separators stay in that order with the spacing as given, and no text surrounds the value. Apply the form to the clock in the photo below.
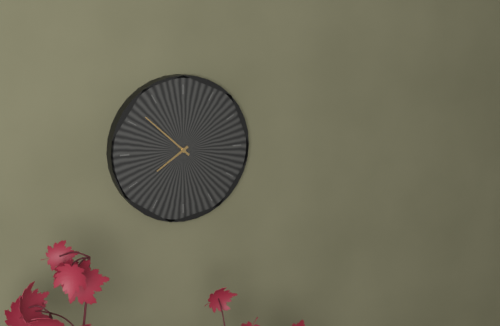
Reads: 7 h 52 min
